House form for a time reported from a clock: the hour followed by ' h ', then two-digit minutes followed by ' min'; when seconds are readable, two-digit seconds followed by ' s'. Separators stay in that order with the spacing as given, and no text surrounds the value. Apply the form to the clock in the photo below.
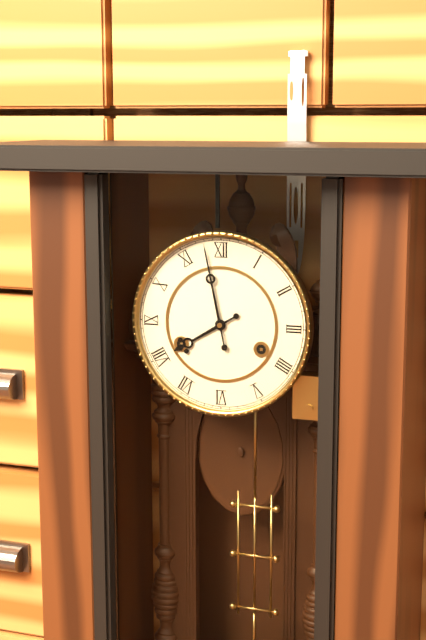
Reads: 7 h 58 min
